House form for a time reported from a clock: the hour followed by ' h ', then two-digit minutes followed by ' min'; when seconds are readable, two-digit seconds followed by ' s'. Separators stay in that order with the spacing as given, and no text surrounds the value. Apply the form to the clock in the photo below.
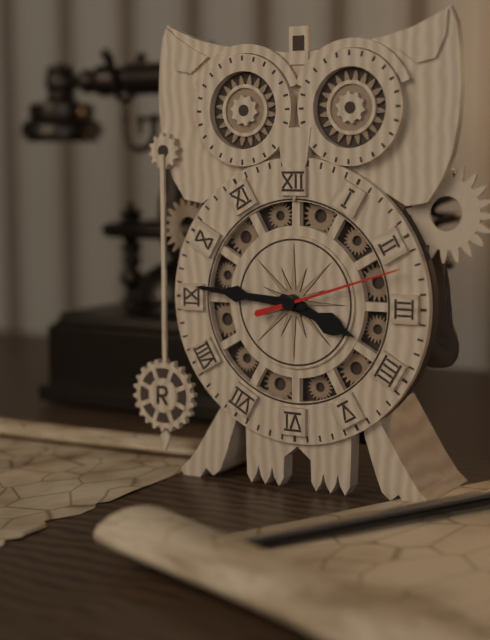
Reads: 3 h 46 min 12 s
